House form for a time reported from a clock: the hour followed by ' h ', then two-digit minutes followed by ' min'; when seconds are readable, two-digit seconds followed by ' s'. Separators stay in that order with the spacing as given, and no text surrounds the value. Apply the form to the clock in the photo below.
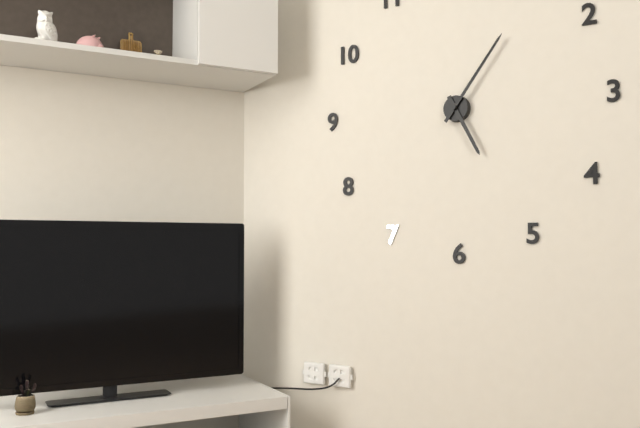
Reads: 5 h 06 min
